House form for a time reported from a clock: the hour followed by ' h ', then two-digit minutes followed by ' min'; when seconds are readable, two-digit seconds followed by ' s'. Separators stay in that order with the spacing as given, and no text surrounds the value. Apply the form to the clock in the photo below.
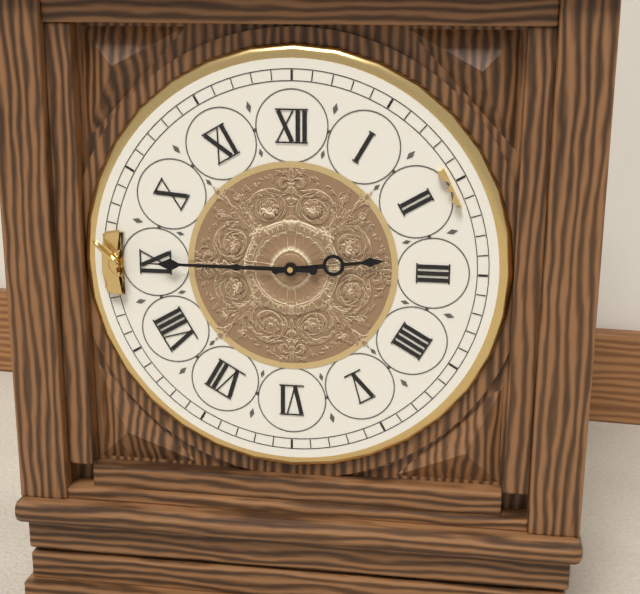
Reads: 2 h 45 min
